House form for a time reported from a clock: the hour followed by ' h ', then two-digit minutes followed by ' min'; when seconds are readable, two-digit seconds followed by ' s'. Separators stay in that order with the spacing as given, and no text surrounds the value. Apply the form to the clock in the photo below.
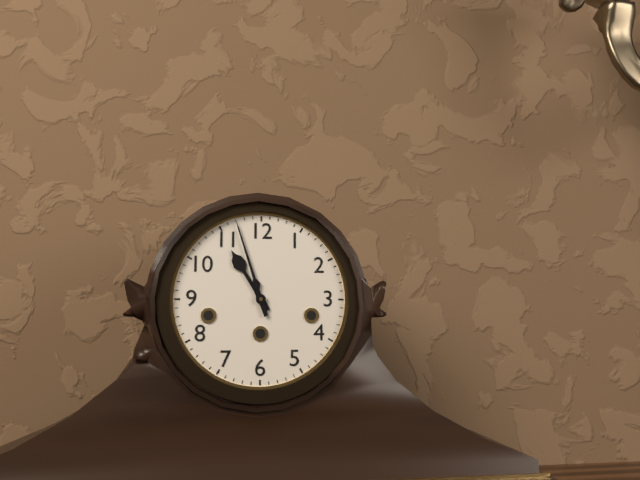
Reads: 10 h 57 min
